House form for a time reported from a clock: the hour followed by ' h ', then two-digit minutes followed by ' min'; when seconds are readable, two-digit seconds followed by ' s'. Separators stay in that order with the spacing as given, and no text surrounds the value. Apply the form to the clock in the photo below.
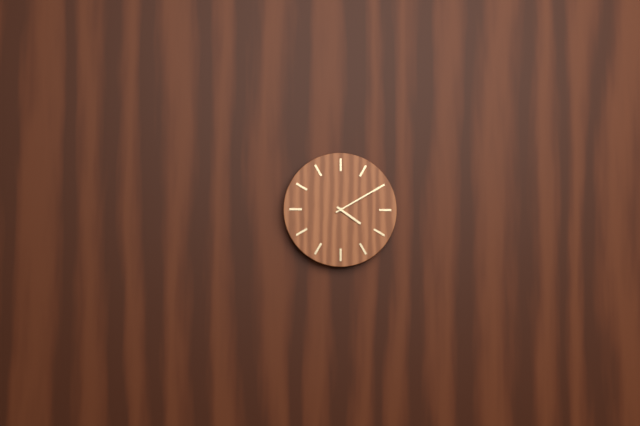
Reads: 4 h 10 min
